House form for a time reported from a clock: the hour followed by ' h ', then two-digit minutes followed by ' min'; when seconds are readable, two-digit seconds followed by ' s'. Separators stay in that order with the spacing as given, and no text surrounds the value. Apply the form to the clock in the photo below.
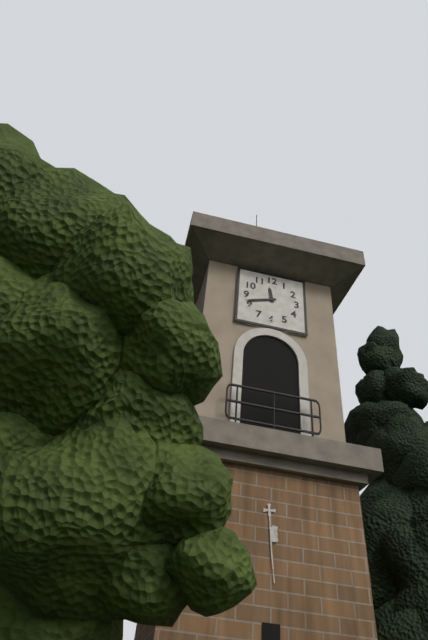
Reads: 11 h 42 min
